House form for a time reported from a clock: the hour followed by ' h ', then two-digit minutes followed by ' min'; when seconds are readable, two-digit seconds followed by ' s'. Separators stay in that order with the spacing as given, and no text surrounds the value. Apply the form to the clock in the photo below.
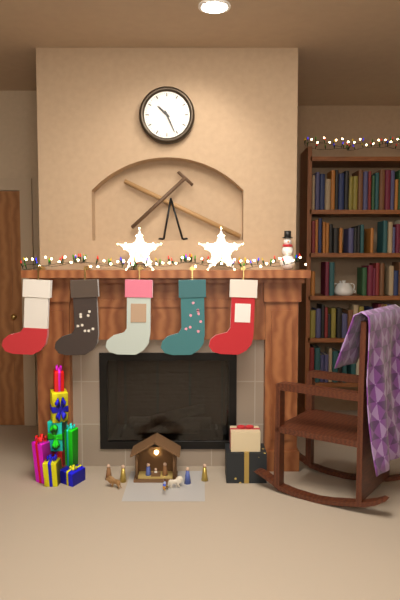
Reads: 10 h 26 min
